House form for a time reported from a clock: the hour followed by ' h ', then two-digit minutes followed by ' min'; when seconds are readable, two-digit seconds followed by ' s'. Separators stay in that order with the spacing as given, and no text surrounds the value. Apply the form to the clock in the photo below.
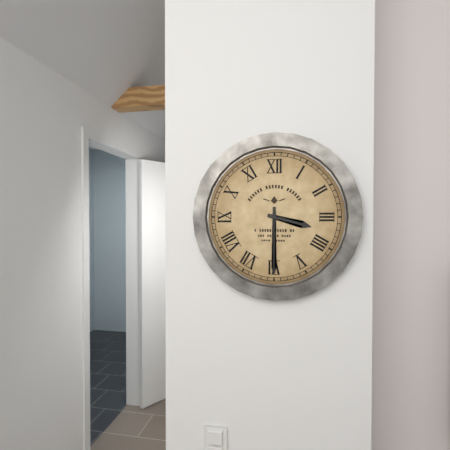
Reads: 3 h 30 min
